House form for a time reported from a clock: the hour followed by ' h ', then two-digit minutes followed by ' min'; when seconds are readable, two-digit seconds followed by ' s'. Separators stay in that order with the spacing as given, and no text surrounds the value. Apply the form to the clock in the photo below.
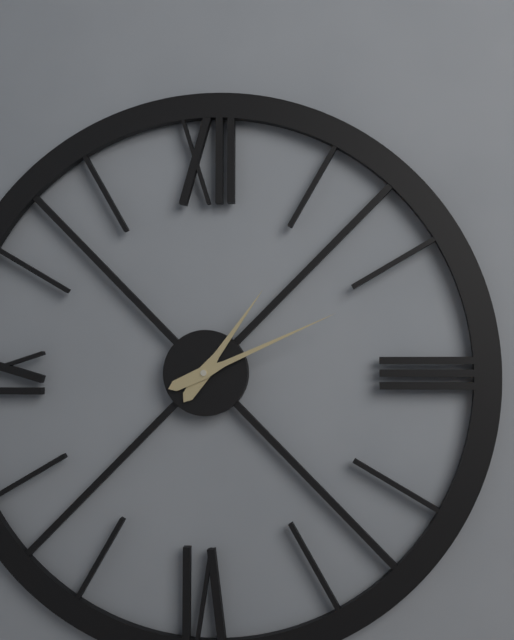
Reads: 1 h 11 min
